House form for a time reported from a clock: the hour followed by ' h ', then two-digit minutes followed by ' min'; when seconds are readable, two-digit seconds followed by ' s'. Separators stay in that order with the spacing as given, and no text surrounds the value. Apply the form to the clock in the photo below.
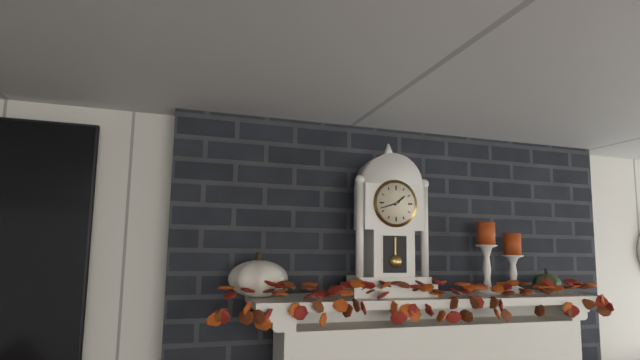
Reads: 1 h 42 min
